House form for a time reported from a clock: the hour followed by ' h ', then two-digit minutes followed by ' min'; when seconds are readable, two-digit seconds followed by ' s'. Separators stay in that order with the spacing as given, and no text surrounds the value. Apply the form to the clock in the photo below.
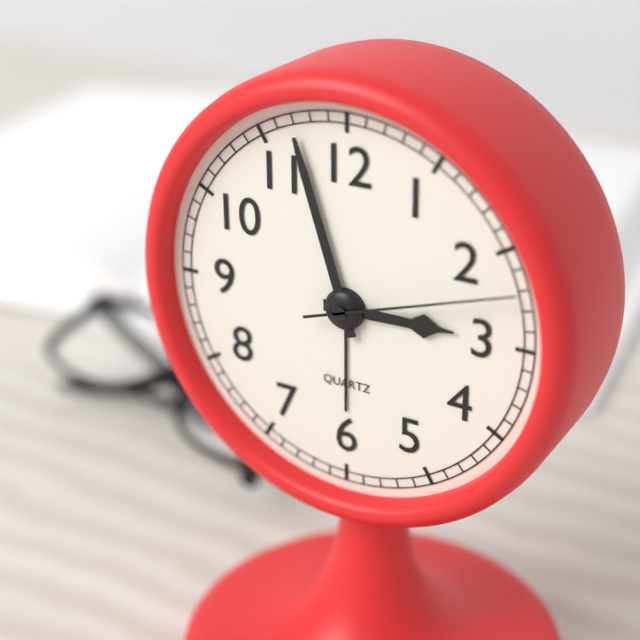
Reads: 2 h 57 min 12 s
